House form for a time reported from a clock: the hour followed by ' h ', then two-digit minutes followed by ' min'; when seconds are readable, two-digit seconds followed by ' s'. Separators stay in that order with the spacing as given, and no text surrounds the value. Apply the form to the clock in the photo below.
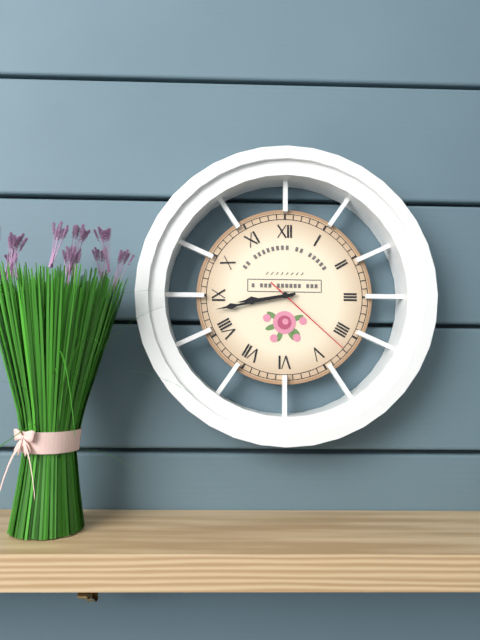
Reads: 8 h 43 min 22 s
